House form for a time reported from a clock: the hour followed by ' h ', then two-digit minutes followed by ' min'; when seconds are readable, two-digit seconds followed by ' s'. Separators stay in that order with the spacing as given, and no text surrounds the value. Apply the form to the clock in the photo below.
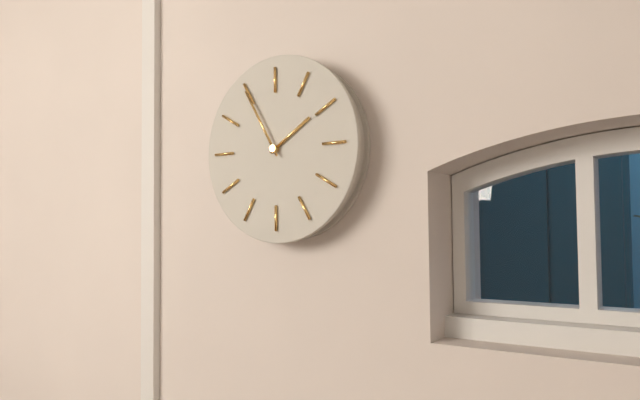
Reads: 1 h 55 min
